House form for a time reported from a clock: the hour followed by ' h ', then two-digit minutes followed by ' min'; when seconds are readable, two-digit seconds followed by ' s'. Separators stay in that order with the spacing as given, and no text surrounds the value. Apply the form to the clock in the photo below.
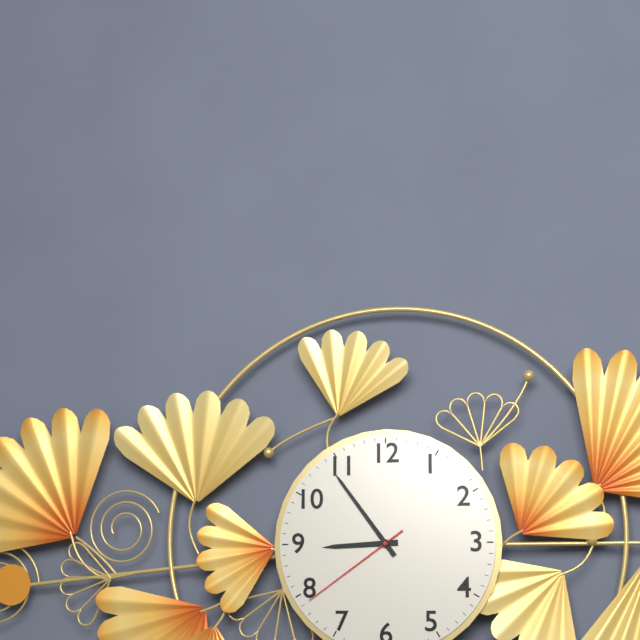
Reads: 8 h 54 min 39 s
